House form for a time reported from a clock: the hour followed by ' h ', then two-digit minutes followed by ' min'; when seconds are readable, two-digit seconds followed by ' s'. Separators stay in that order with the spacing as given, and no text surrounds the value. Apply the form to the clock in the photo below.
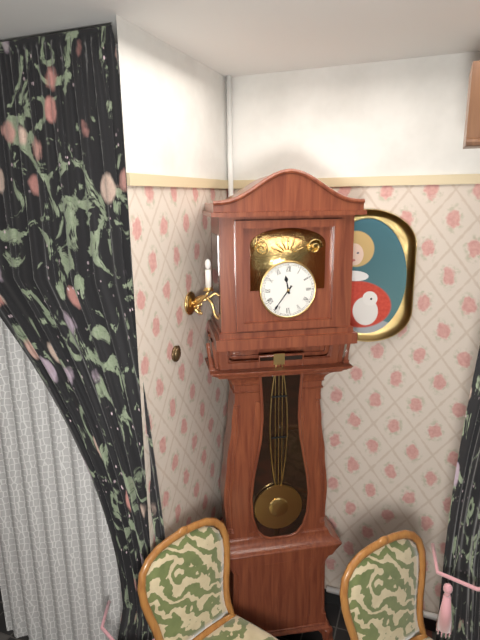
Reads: 11 h 36 min
